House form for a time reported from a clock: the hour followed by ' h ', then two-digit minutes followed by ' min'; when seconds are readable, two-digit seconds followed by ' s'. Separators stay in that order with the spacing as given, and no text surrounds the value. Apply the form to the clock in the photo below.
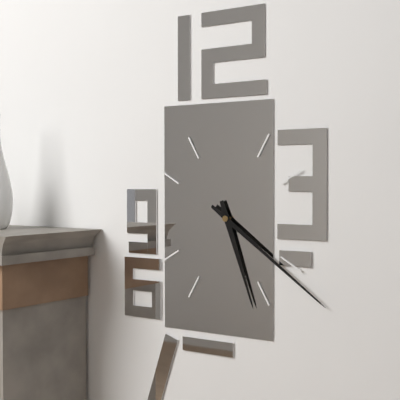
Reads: 5 h 21 min
